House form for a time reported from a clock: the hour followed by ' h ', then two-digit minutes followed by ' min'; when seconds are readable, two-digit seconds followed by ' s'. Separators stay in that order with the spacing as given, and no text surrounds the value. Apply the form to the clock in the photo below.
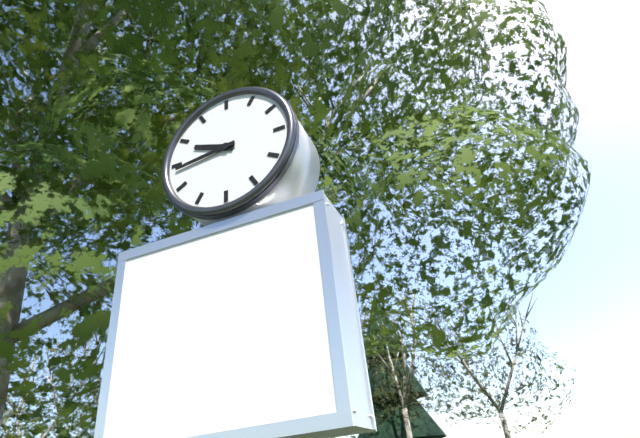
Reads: 9 h 44 min
